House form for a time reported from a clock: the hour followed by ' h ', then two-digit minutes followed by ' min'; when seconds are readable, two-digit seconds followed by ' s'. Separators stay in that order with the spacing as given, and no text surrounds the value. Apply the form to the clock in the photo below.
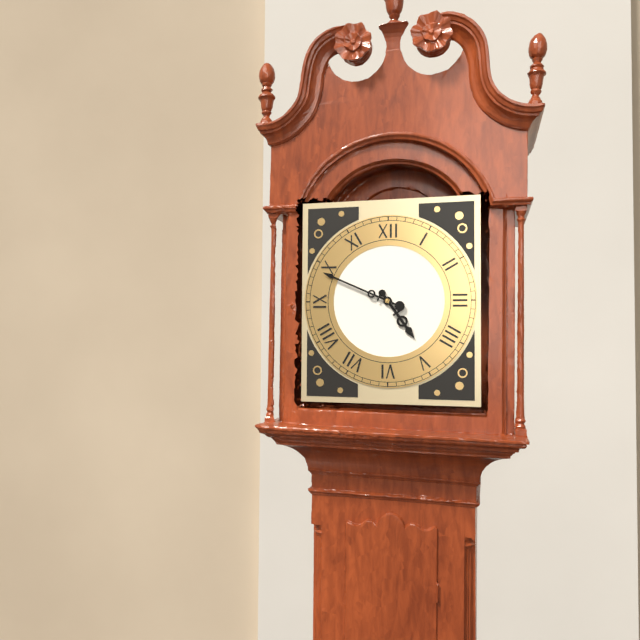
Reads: 4 h 49 min
